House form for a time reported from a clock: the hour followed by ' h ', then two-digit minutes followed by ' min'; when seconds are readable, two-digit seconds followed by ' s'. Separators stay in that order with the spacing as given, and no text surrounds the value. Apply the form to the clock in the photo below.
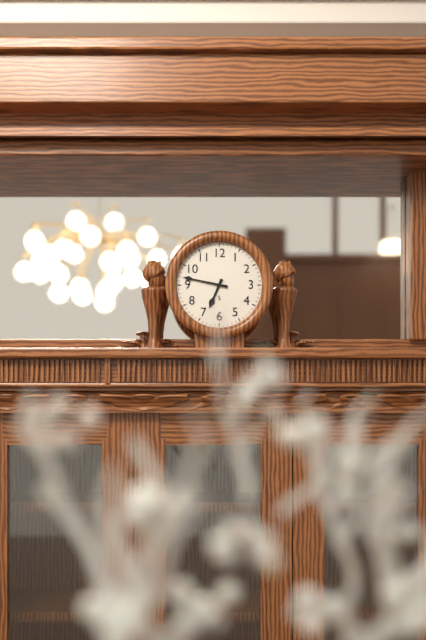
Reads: 6 h 47 min
